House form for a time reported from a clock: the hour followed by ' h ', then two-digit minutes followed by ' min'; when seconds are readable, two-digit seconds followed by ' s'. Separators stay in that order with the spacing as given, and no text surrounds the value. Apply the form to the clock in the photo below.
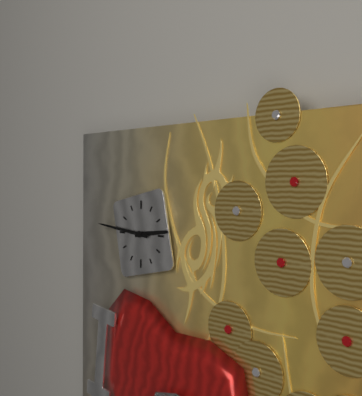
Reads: 2 h 46 min
